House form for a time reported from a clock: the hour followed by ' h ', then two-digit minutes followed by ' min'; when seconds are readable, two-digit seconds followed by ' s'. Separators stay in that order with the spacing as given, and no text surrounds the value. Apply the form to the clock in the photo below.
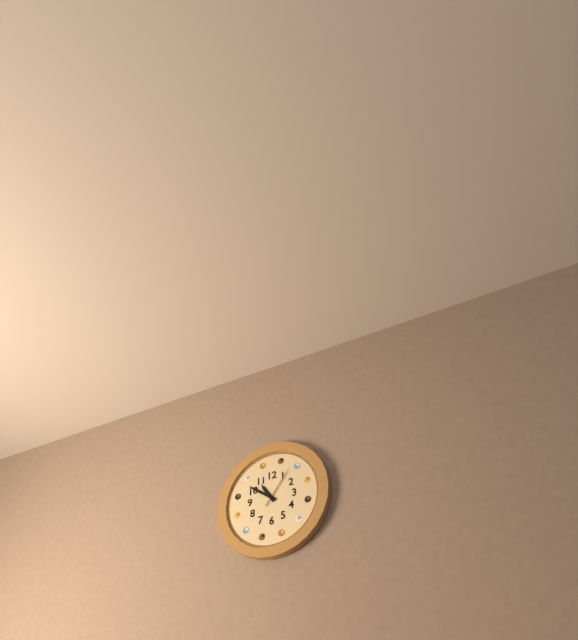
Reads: 10 h 51 min
